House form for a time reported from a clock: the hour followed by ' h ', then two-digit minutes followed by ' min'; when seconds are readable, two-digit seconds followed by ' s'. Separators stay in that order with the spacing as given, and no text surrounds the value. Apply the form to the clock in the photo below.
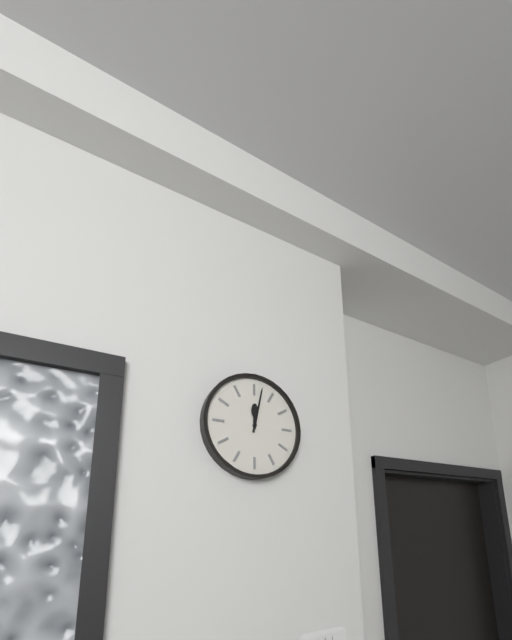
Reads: 12 h 02 min
